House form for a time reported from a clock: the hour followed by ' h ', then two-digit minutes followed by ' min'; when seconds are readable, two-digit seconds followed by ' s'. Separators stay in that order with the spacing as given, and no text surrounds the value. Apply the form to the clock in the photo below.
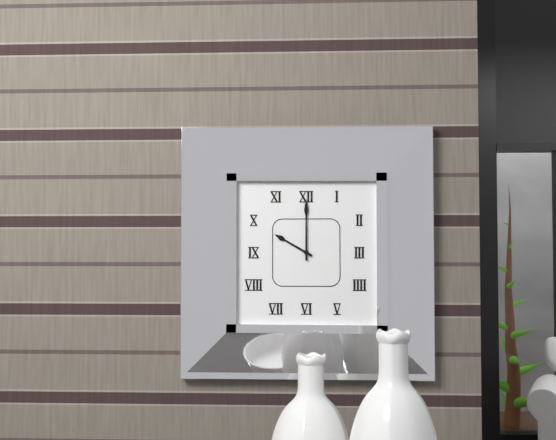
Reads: 10 h 00 min
